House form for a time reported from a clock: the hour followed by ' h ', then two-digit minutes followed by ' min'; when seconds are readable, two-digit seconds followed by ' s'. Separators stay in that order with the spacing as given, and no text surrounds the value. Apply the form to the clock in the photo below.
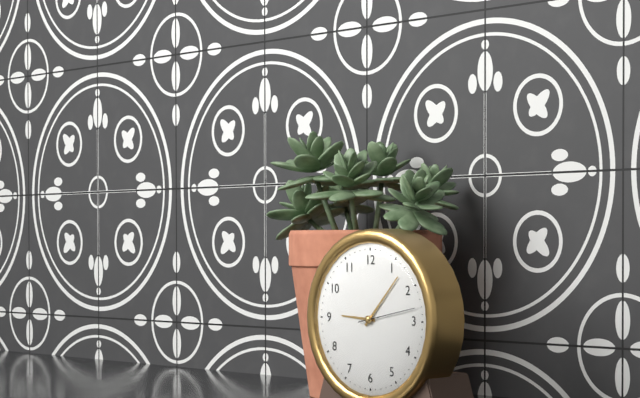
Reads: 9 h 07 min 13 s
